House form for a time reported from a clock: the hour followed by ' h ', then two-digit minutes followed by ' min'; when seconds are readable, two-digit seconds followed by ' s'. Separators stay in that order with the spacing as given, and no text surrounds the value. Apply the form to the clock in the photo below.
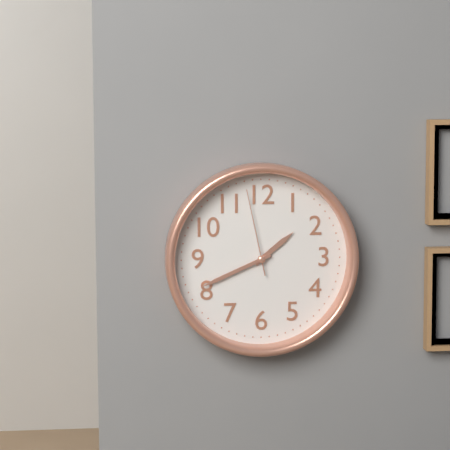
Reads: 1 h 41 min 58 s
